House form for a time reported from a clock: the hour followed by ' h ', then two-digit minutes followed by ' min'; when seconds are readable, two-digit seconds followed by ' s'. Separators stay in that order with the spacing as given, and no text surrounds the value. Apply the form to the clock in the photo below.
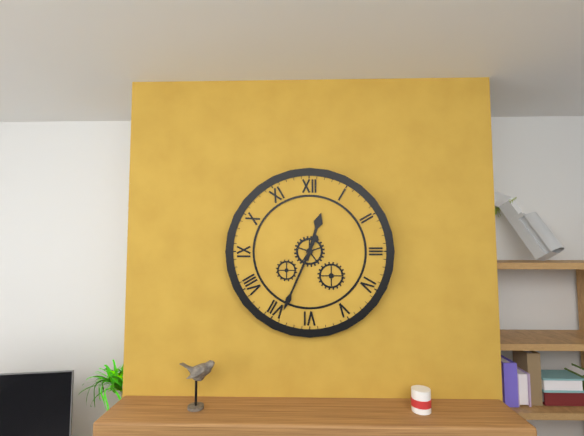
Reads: 12 h 34 min
